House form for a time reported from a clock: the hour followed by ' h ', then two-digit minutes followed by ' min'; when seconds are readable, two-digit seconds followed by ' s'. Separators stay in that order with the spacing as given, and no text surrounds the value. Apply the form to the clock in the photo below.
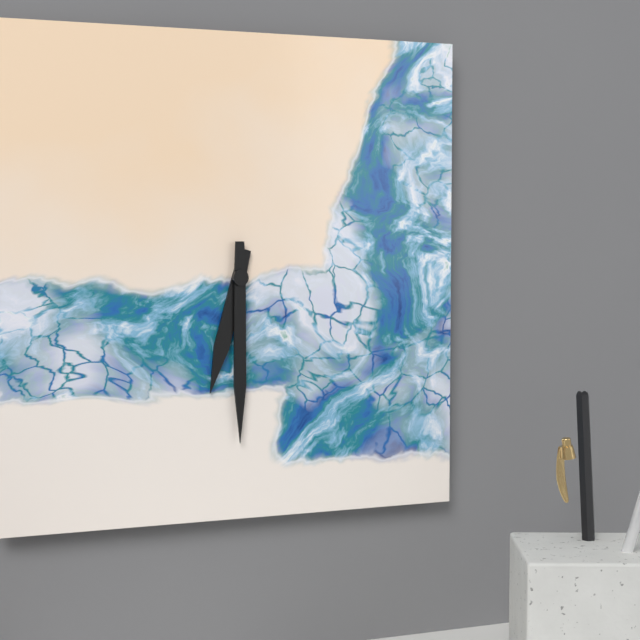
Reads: 6 h 30 min
